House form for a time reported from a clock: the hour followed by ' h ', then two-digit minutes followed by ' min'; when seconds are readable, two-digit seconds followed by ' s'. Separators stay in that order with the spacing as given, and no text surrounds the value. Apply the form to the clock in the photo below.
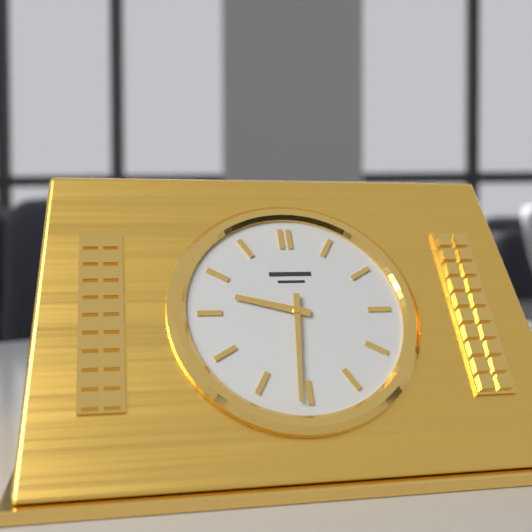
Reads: 9 h 31 min
